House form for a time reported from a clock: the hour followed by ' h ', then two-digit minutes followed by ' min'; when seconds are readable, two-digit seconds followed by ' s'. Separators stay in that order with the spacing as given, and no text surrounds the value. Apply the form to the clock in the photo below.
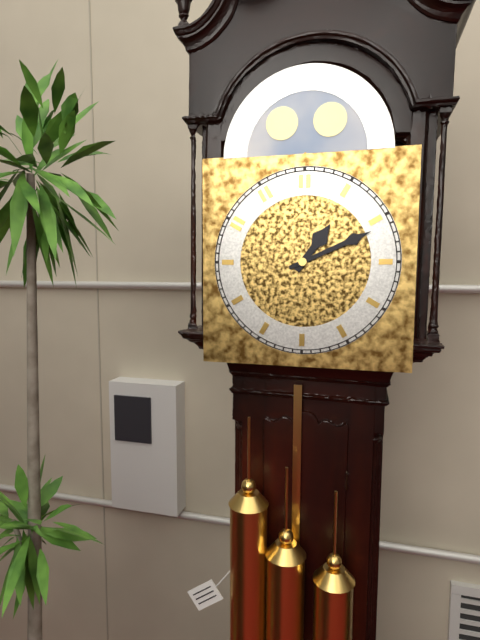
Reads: 1 h 11 min
